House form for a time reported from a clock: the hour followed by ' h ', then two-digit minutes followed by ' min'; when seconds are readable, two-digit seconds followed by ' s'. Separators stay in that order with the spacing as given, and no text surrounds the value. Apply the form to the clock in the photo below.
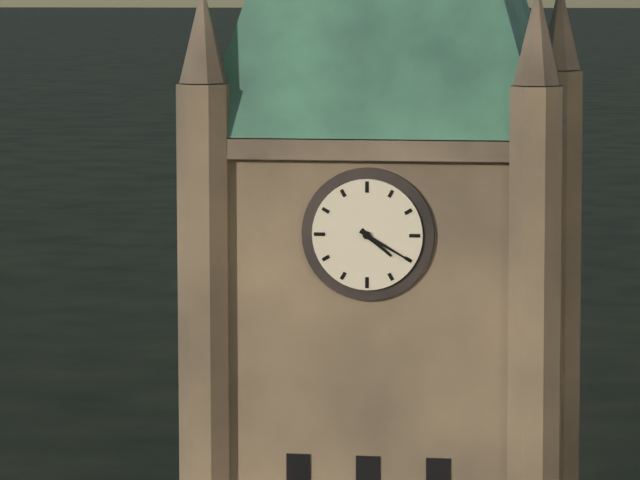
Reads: 4 h 20 min
